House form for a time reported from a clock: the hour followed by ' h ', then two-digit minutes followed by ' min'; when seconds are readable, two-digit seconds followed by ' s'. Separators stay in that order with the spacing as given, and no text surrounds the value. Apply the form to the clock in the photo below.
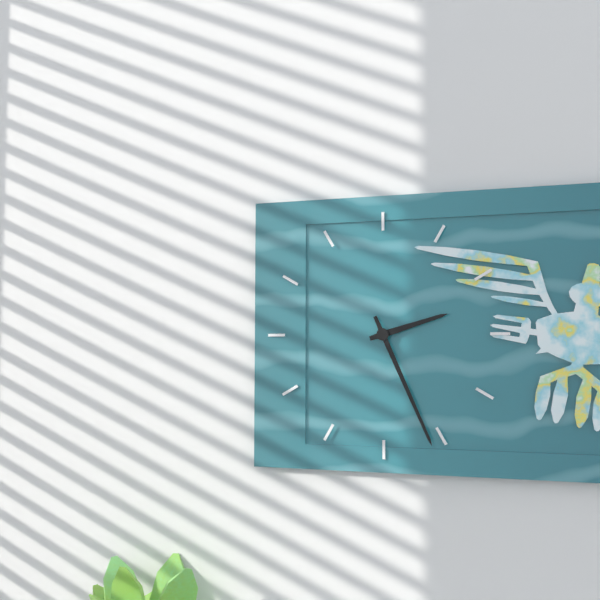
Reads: 2 h 26 min
